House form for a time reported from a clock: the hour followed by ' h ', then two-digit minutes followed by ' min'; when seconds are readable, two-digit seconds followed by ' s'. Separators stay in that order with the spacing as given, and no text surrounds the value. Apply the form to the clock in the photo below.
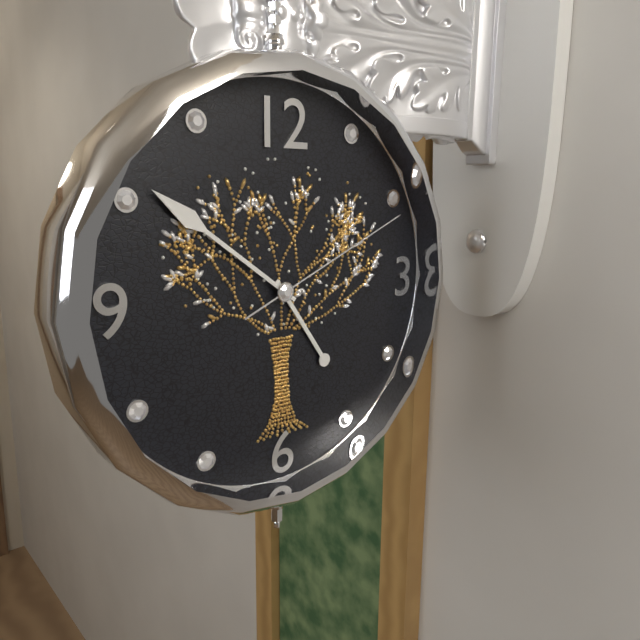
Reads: 4 h 51 min 11 s
